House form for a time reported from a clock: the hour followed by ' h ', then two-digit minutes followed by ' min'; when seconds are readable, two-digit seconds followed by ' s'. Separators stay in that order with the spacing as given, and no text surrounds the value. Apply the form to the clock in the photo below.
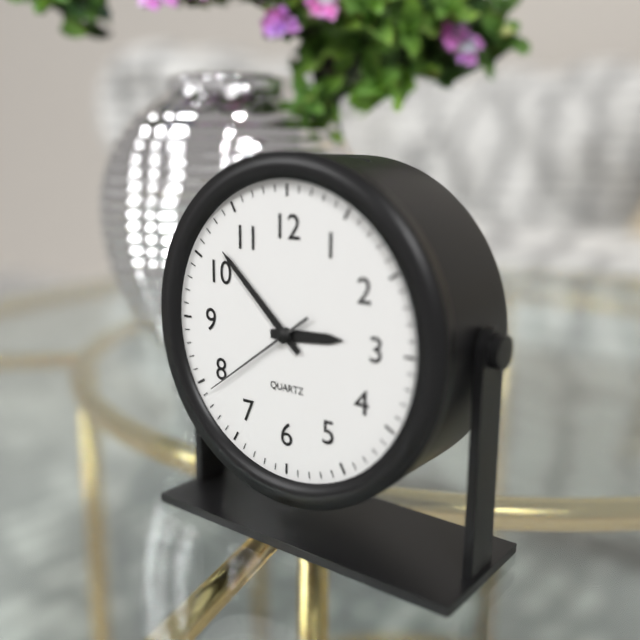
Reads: 2 h 52 min 39 s
